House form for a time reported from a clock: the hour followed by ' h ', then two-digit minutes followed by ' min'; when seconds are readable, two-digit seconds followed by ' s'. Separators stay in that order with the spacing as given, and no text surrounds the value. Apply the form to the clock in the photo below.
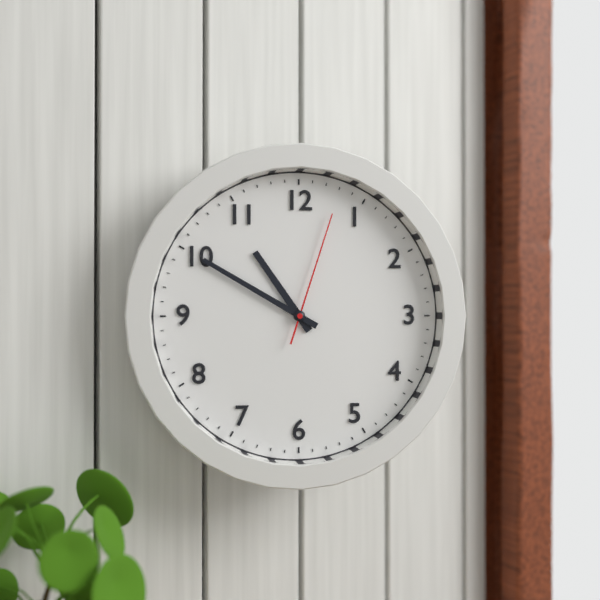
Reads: 10 h 50 min 03 s
